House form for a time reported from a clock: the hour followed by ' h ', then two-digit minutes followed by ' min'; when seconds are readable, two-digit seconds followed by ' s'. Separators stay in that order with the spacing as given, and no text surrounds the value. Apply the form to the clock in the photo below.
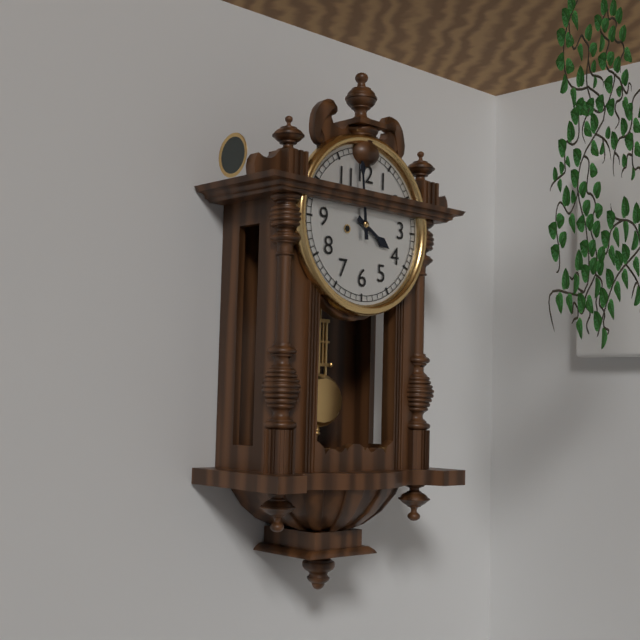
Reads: 3 h 59 min
